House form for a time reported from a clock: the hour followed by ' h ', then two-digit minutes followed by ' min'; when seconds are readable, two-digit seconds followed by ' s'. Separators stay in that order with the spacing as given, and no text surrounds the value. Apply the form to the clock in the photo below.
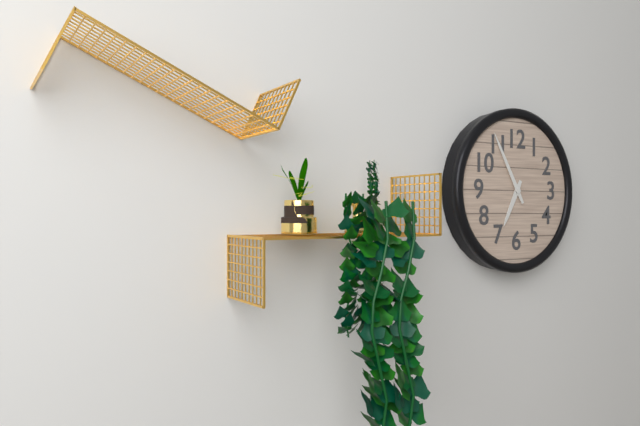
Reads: 6 h 55 min
